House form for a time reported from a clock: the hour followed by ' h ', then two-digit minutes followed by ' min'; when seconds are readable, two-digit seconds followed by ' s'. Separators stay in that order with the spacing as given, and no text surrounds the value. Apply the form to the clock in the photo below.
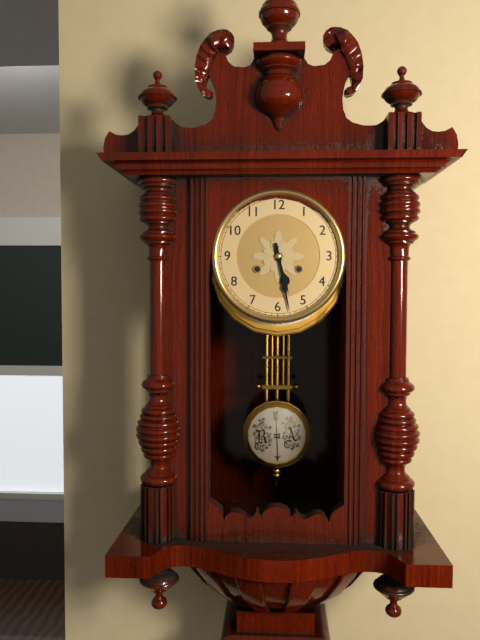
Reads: 5 h 28 min
